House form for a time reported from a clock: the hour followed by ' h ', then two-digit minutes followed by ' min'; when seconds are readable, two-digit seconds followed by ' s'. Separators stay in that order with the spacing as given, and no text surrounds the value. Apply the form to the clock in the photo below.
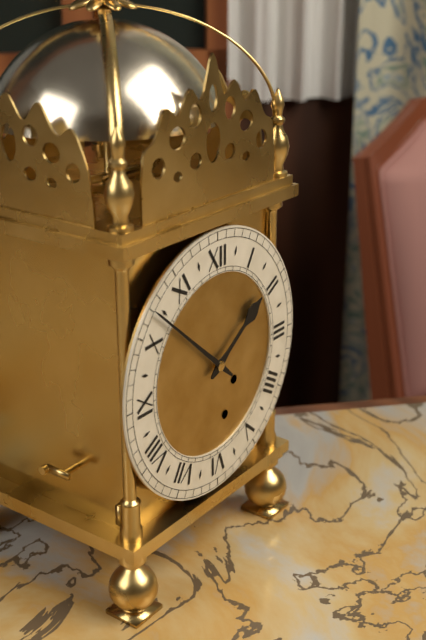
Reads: 1 h 52 min
